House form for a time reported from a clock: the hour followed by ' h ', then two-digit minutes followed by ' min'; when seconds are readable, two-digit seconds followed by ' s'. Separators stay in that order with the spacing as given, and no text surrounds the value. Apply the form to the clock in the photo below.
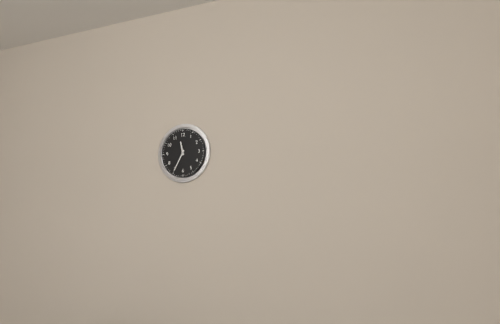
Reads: 11 h 35 min
